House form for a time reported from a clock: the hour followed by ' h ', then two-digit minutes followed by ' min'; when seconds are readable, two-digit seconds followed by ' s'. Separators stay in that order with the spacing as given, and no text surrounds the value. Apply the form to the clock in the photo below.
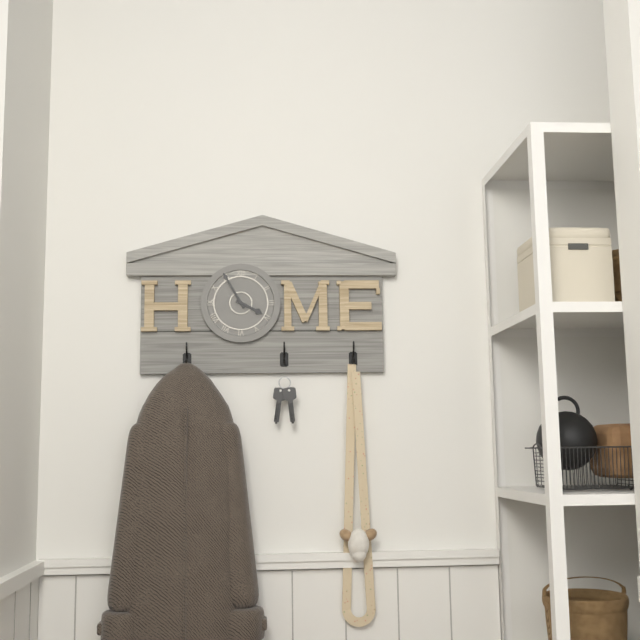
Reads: 3 h 55 min
